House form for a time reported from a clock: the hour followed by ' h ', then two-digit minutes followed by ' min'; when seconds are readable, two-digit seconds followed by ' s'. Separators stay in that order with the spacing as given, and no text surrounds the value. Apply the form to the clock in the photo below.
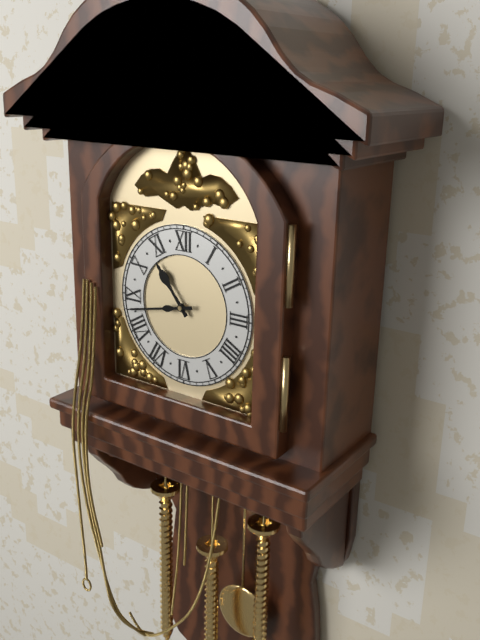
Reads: 10 h 43 min
